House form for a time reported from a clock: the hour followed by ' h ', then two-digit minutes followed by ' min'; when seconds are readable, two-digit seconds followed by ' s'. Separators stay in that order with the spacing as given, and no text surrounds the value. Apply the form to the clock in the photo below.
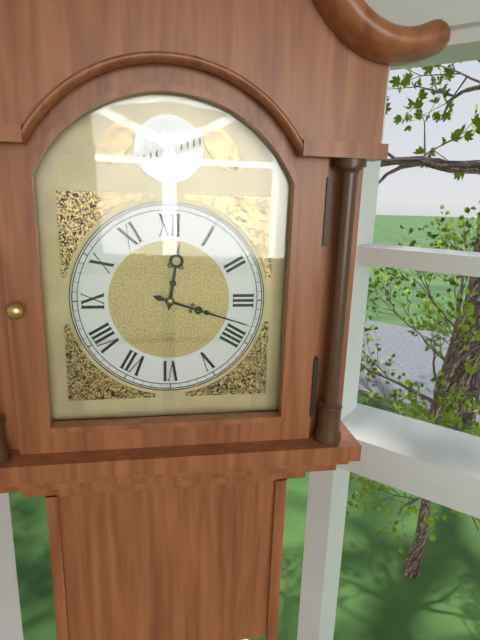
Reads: 12 h 18 min
